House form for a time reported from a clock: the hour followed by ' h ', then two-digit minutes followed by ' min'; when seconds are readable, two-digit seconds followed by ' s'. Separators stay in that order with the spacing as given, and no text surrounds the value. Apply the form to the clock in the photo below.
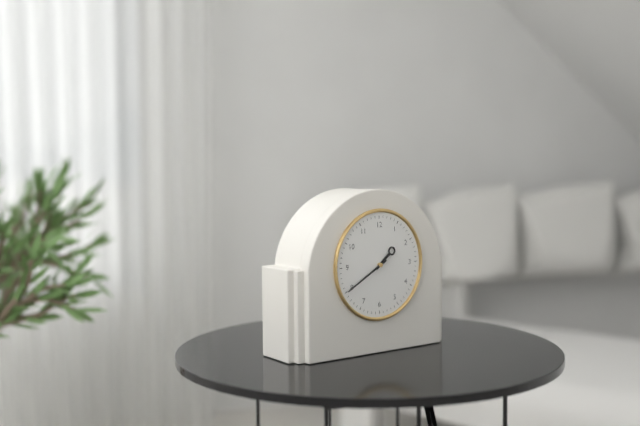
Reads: 1 h 40 min
